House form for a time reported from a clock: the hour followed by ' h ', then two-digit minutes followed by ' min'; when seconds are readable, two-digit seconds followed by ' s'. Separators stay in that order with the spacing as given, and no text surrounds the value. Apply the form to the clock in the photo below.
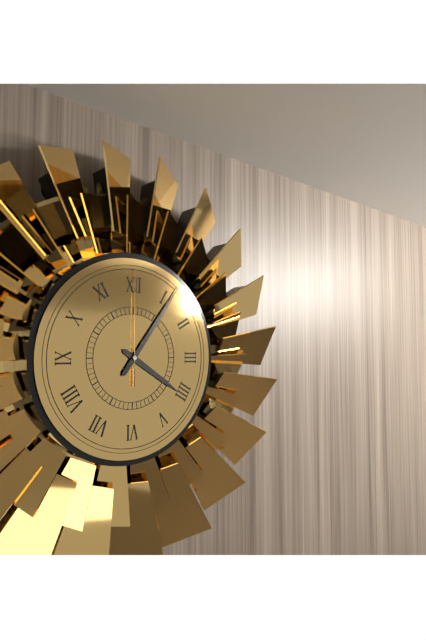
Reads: 4 h 06 min 00 s
